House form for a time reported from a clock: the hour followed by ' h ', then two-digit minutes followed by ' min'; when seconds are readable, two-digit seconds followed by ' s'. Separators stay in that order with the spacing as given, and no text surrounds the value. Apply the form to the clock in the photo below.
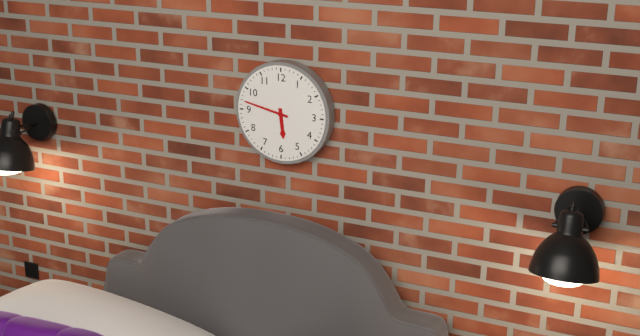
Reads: 5 h 47 min
